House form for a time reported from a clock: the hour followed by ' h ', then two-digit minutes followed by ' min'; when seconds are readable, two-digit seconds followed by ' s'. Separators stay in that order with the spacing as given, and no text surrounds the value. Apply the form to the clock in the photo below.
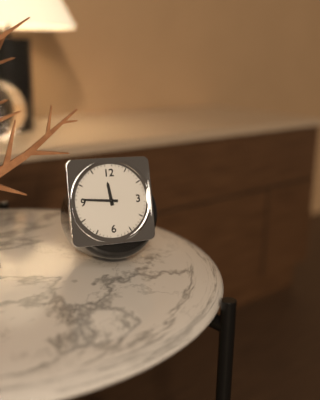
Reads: 11 h 46 min
